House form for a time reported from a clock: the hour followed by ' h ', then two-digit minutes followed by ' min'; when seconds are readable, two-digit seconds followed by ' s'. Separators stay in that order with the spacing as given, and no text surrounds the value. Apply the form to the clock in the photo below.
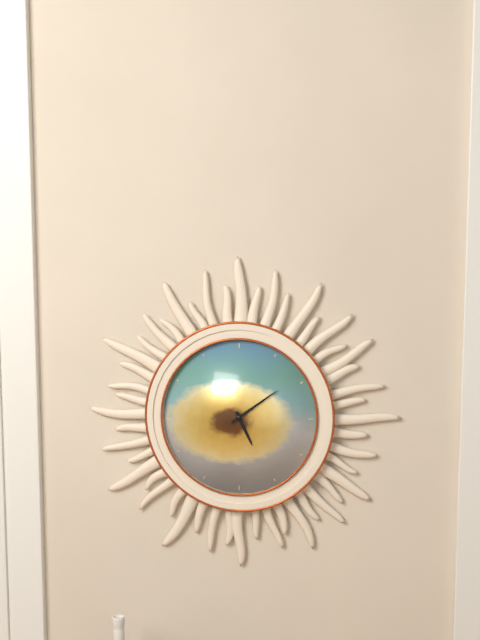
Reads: 5 h 09 min
